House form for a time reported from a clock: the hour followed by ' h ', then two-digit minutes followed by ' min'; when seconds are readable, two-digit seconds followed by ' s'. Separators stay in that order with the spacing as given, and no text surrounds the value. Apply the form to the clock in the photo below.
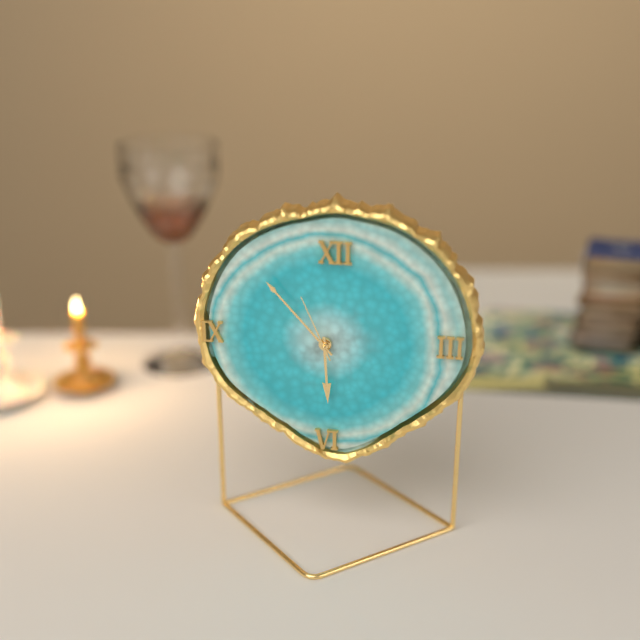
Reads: 5 h 53 min 56 s
